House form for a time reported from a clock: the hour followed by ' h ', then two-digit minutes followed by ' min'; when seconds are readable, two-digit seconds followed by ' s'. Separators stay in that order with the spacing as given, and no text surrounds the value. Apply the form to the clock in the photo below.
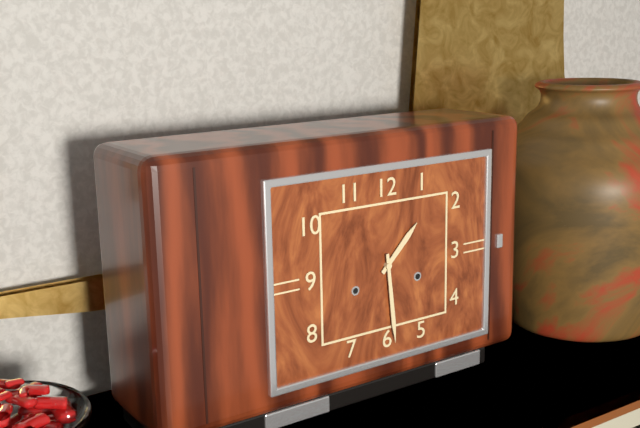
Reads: 1 h 29 min
